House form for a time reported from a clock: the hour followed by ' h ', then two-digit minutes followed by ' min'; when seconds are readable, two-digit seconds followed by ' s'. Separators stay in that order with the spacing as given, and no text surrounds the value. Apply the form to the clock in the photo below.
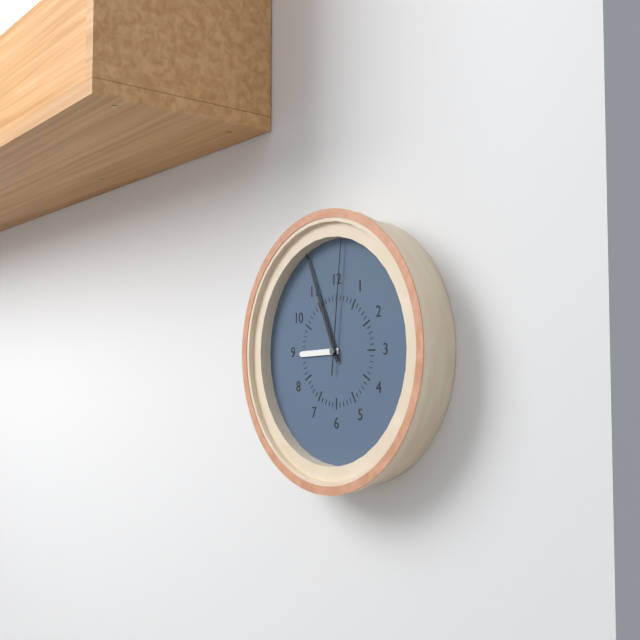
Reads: 8 h 56 min 01 s
